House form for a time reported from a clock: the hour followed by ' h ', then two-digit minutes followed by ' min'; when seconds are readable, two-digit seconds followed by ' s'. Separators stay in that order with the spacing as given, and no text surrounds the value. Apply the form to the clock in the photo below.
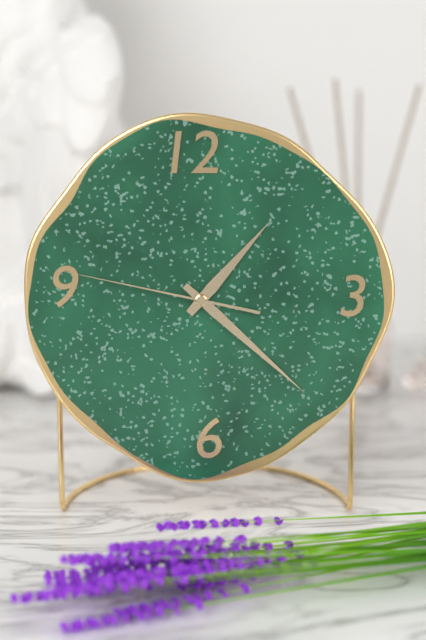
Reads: 1 h 22 min 47 s
